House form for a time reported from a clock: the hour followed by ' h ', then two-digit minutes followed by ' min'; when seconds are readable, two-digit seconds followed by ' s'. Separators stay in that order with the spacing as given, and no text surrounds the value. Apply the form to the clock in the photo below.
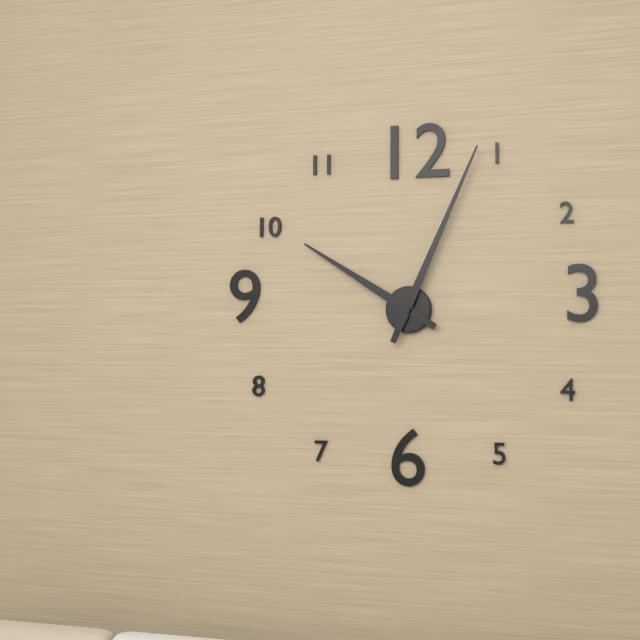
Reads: 10 h 04 min
